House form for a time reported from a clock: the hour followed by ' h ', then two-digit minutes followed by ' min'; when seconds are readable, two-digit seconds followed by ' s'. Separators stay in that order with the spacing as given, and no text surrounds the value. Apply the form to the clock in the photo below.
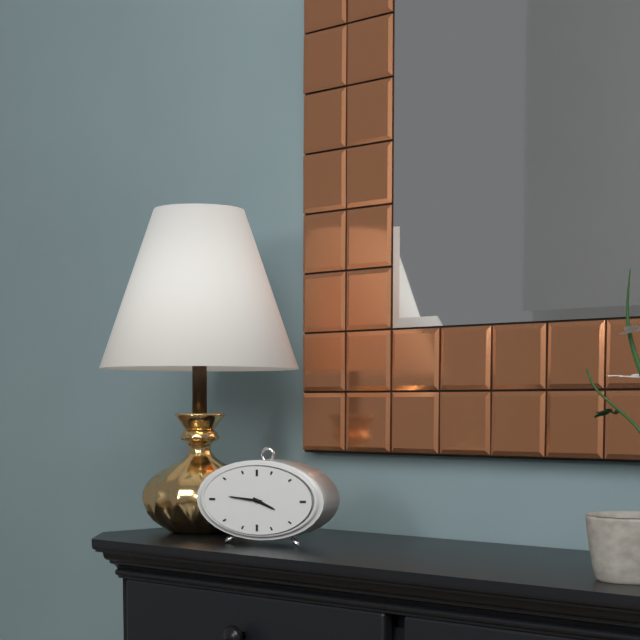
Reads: 3 h 46 min
